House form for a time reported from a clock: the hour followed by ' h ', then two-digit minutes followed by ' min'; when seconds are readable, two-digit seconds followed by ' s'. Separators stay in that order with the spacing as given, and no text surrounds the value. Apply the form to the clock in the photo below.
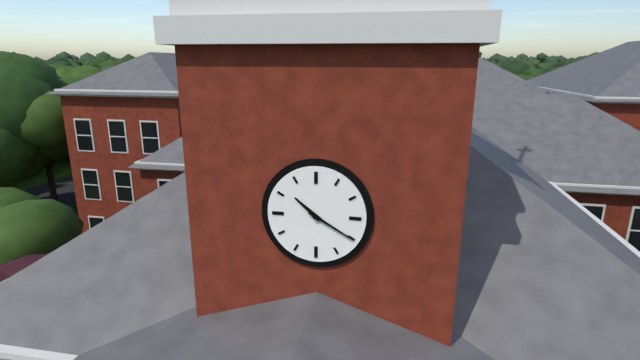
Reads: 10 h 20 min
